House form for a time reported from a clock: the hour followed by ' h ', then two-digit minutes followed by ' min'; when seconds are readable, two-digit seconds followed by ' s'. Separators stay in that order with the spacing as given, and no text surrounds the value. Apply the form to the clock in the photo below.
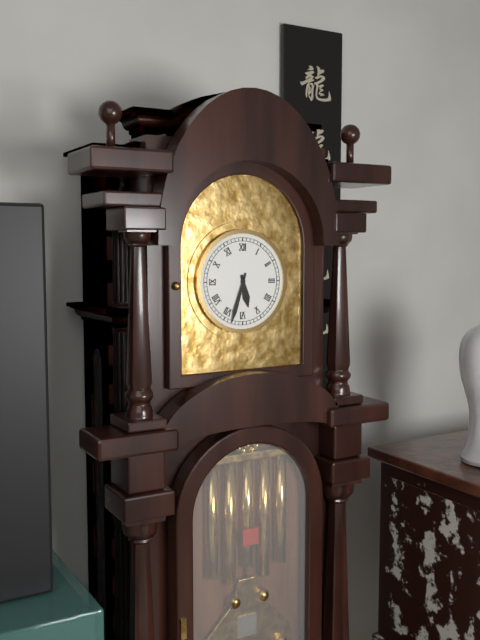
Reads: 5 h 33 min
